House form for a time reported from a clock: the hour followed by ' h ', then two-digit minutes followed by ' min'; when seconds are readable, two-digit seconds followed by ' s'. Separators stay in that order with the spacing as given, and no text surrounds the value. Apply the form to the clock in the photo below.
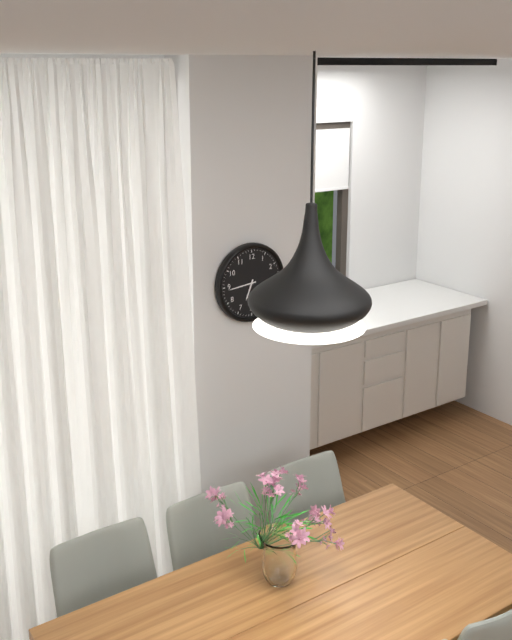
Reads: 6 h 44 min
